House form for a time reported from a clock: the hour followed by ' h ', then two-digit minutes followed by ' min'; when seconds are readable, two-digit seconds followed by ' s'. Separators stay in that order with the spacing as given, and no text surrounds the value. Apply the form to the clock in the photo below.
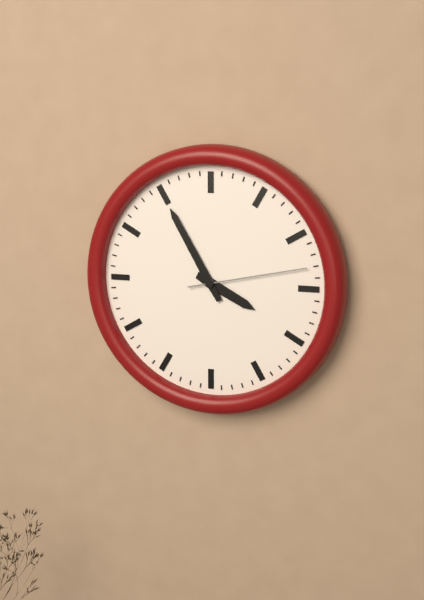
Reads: 3 h 55 min 13 s
